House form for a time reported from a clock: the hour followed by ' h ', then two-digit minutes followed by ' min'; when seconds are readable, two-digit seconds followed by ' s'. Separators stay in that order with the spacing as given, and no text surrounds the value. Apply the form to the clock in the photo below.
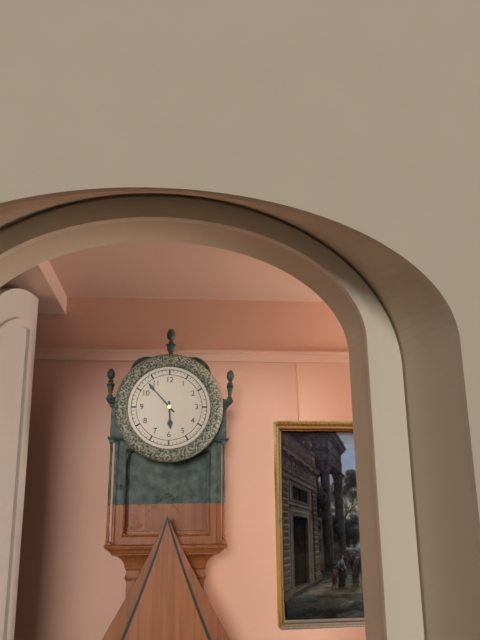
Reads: 5 h 53 min
